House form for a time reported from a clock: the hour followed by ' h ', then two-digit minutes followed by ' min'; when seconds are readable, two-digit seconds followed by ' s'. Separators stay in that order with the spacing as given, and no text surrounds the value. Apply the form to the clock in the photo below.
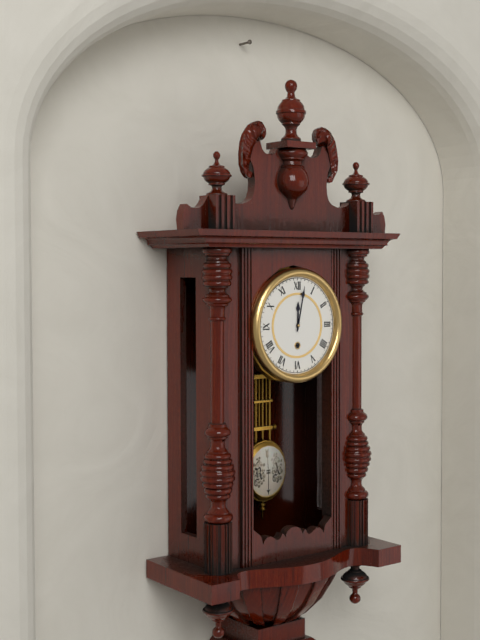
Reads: 12 h 02 min
